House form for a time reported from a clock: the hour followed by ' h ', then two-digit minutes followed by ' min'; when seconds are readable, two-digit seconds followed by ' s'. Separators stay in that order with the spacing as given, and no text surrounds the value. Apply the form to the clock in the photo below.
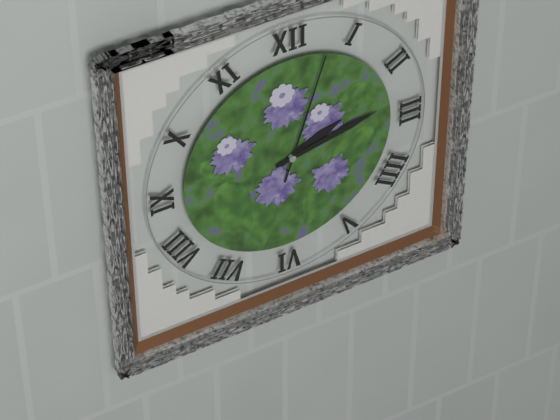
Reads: 2 h 13 min 03 s
